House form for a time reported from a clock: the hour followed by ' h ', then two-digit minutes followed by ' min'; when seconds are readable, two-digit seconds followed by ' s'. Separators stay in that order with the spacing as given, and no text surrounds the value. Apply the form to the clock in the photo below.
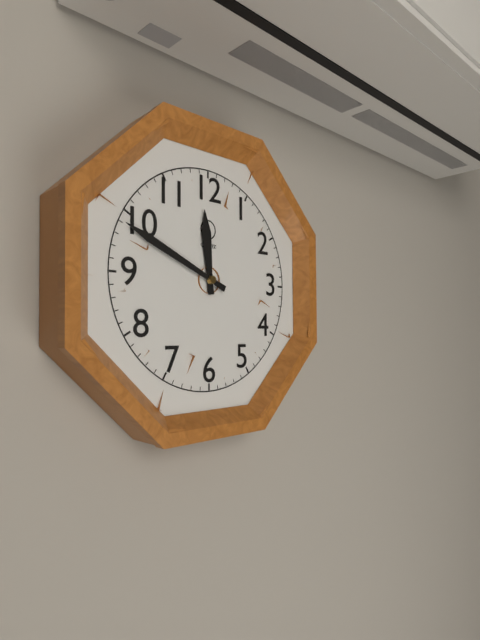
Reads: 11 h 49 min
